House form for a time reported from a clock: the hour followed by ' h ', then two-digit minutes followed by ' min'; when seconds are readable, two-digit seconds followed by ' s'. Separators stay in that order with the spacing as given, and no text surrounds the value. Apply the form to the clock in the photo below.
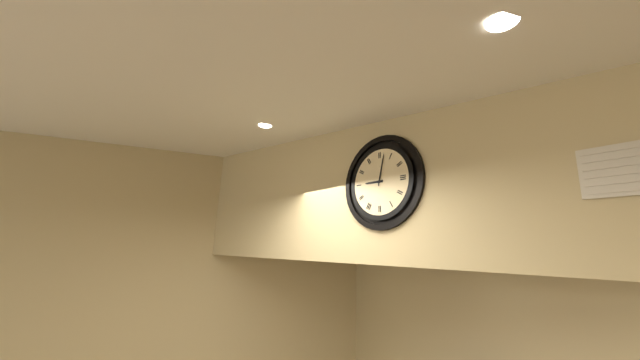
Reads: 9 h 02 min
